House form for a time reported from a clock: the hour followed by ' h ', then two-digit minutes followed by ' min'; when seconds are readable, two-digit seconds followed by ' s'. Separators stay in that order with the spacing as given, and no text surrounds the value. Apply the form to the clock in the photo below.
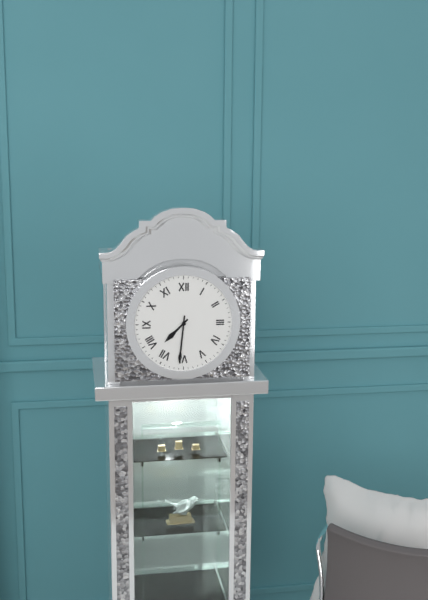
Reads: 7 h 31 min
